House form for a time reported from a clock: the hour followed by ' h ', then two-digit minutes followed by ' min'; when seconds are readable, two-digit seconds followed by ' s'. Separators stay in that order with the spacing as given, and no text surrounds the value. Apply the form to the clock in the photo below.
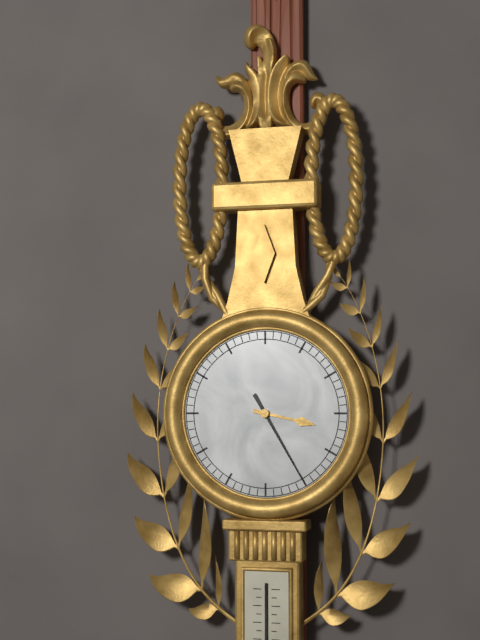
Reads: 3 h 25 min
